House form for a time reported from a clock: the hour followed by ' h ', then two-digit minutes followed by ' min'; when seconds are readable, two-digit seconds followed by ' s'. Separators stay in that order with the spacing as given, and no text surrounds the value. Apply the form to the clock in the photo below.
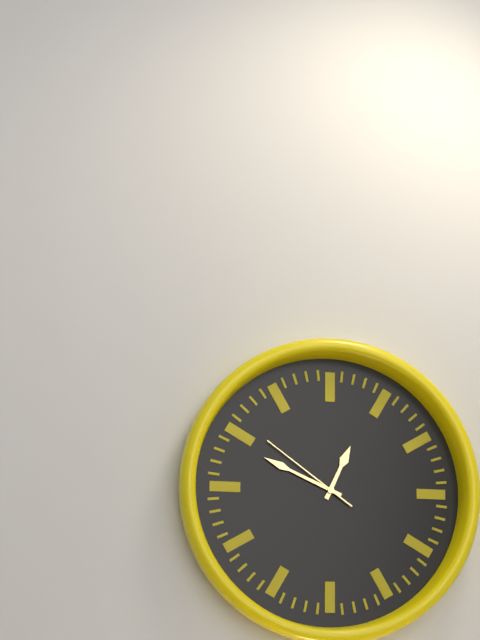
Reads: 12 h 49 min 51 s
